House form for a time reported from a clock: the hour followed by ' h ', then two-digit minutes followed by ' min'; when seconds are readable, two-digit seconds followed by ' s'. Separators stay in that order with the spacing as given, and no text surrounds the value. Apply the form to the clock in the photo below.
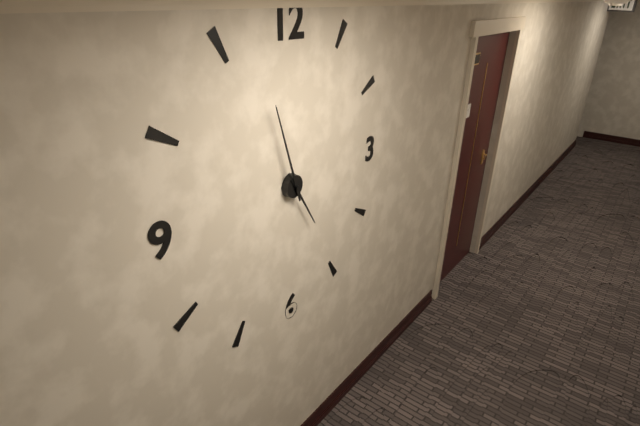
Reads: 4 h 57 min
